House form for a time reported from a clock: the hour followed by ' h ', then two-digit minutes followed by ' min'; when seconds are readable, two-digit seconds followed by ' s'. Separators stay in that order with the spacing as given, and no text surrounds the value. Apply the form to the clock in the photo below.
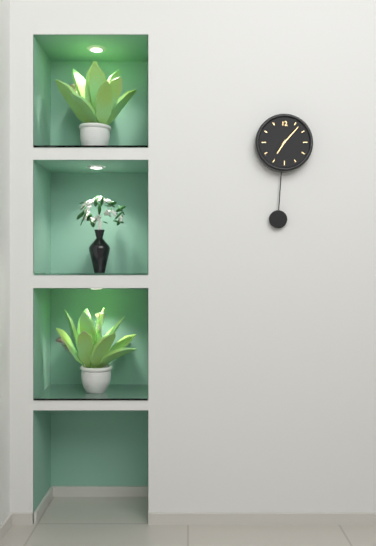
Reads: 7 h 07 min
